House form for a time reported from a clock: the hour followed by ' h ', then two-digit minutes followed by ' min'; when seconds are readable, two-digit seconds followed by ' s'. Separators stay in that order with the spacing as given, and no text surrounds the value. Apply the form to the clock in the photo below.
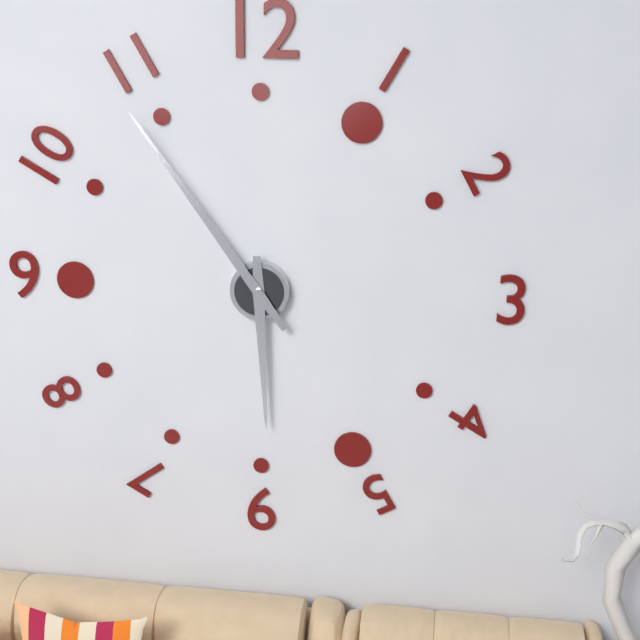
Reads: 5 h 54 min
